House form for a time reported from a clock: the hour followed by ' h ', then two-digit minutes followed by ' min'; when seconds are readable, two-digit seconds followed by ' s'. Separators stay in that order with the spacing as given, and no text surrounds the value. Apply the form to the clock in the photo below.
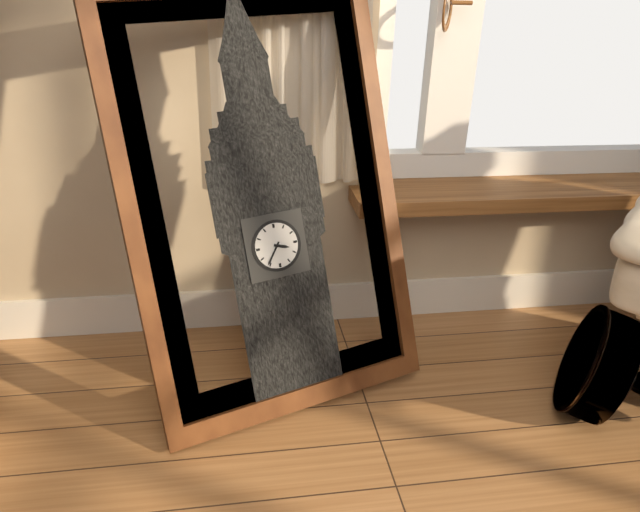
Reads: 3 h 36 min
